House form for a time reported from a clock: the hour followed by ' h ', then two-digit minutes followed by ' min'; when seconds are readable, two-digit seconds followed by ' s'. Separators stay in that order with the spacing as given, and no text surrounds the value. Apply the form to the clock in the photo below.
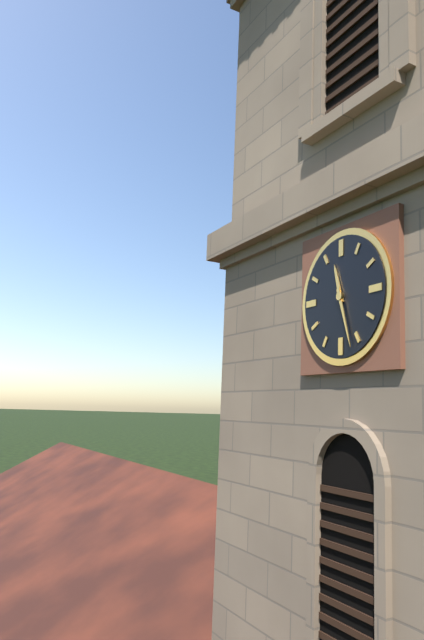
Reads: 11 h 27 min
